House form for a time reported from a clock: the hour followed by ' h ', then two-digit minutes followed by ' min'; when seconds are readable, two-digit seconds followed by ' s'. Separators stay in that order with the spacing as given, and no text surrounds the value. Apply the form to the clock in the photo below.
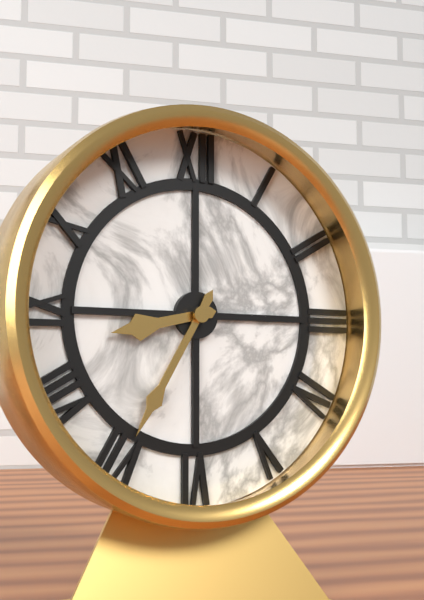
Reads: 8 h 35 min
